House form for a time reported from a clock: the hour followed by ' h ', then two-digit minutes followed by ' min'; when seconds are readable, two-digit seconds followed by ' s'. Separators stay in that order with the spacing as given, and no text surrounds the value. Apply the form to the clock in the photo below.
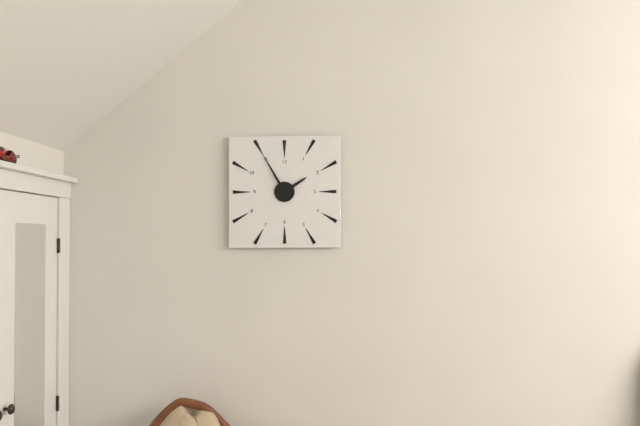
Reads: 1 h 55 min
